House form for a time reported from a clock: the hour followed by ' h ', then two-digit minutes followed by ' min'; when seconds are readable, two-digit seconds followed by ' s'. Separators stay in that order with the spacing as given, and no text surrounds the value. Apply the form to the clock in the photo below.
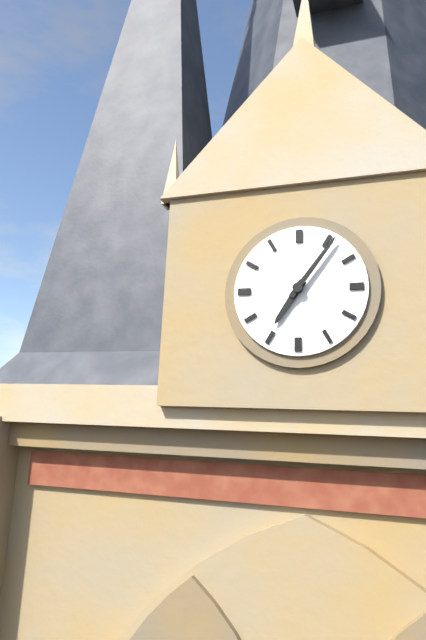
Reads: 7 h 06 min
